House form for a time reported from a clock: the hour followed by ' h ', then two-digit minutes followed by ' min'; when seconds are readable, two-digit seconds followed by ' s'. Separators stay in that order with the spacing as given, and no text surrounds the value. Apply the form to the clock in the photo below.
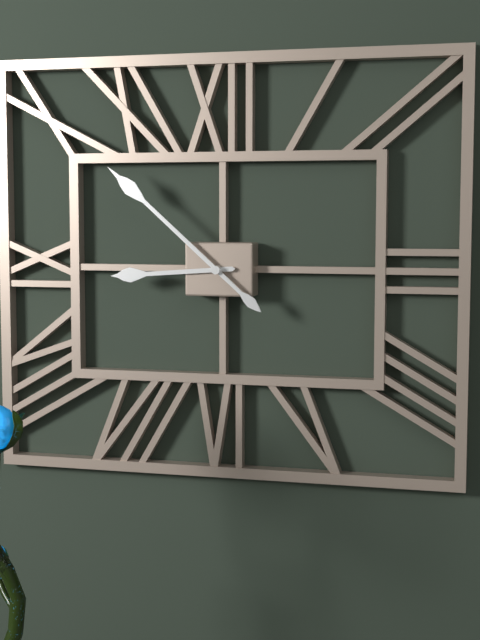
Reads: 8 h 52 min
